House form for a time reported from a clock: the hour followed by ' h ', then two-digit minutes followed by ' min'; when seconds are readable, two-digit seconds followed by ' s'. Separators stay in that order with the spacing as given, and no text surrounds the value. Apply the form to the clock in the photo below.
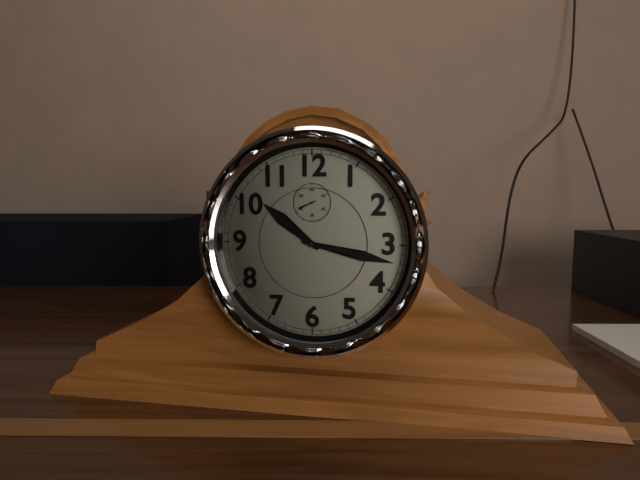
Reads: 10 h 17 min
